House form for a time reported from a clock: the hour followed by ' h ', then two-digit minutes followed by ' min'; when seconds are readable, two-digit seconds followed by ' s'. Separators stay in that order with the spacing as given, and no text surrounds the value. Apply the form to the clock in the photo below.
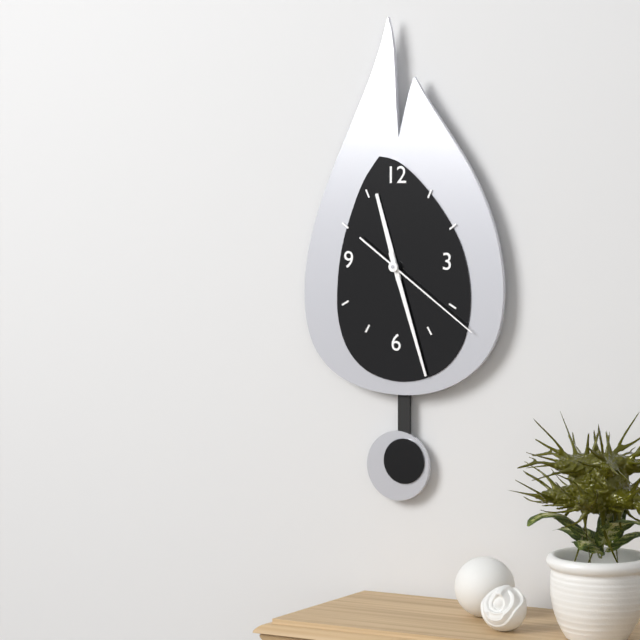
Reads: 11 h 27 min 21 s
